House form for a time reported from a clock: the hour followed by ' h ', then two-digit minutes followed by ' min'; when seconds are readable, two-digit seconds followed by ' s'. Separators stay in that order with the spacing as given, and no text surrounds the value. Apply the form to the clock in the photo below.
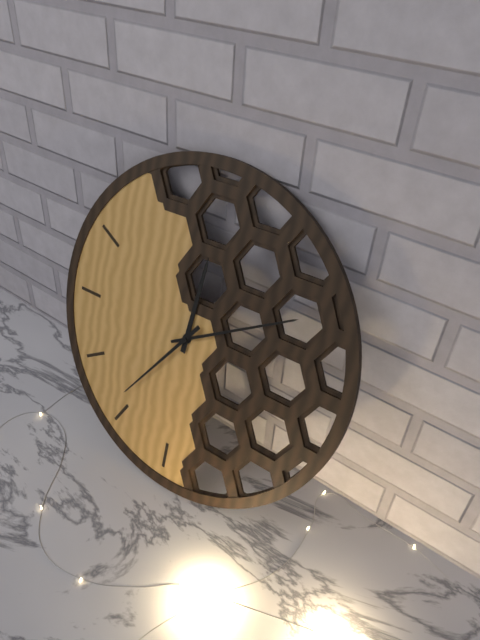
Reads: 12 h 10 min 36 s
